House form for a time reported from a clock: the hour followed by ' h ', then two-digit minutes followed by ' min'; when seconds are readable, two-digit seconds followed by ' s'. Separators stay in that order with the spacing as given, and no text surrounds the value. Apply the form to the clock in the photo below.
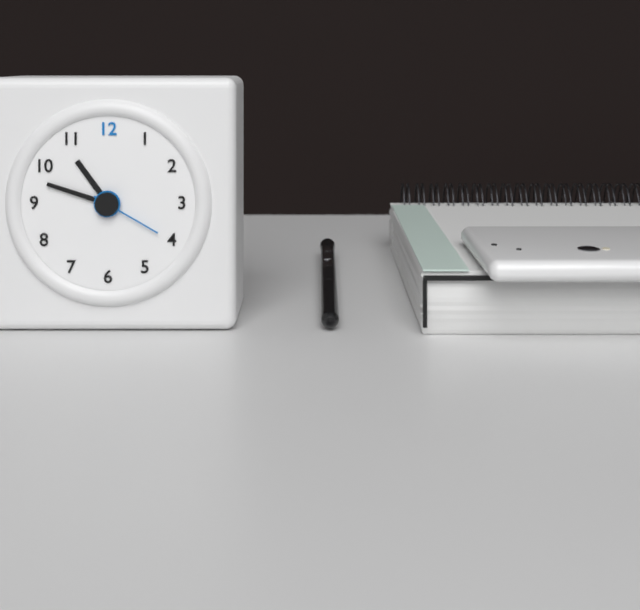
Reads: 10 h 48 min 20 s
